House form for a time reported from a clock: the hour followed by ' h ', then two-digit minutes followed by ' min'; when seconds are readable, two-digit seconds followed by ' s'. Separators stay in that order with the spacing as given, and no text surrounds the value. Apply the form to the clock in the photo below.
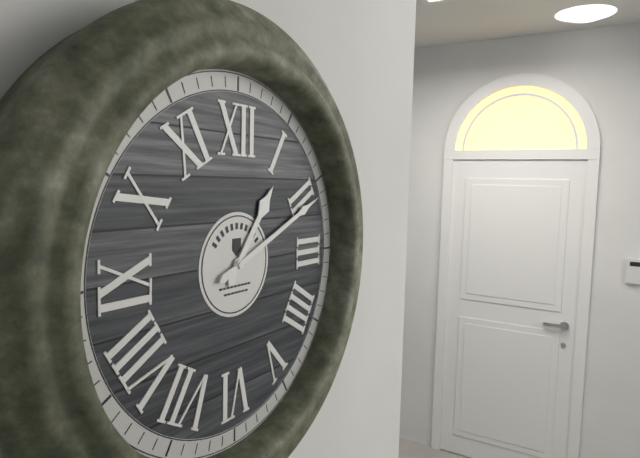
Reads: 1 h 11 min
